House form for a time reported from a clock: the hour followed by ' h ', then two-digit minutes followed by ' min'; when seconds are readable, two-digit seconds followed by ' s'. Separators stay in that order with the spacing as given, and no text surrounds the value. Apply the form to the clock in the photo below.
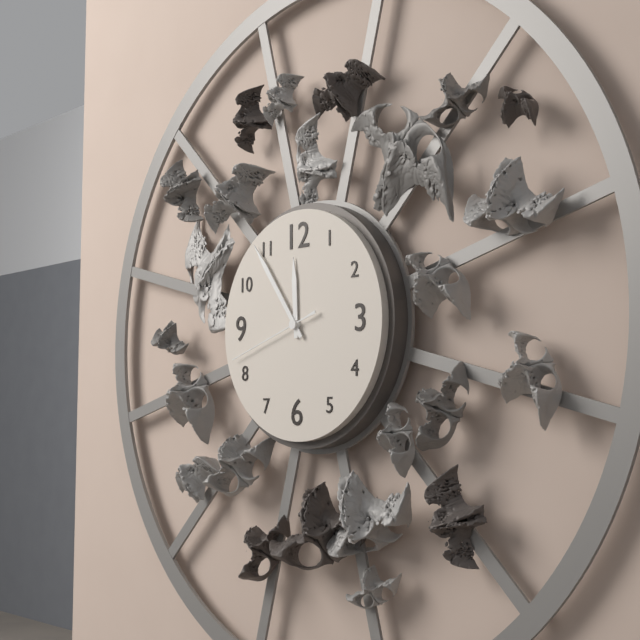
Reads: 11 h 54 min 42 s
